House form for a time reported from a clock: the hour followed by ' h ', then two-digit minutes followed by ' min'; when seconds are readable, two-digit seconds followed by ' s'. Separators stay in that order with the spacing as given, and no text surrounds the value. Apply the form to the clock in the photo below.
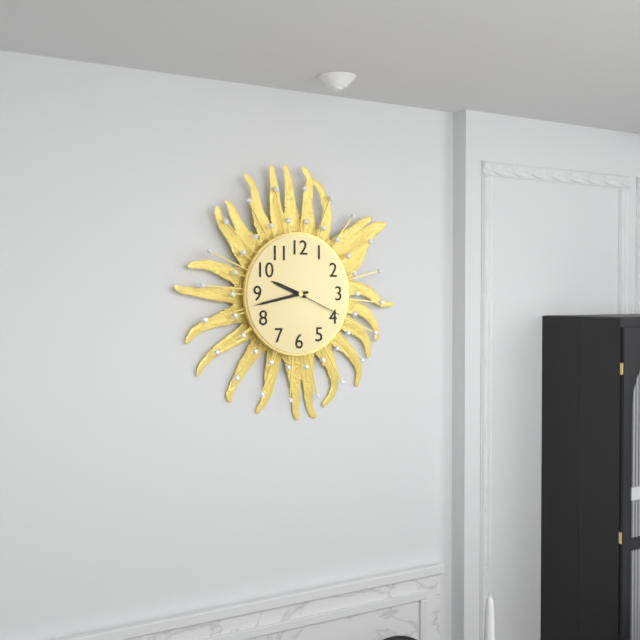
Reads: 9 h 43 min 19 s
